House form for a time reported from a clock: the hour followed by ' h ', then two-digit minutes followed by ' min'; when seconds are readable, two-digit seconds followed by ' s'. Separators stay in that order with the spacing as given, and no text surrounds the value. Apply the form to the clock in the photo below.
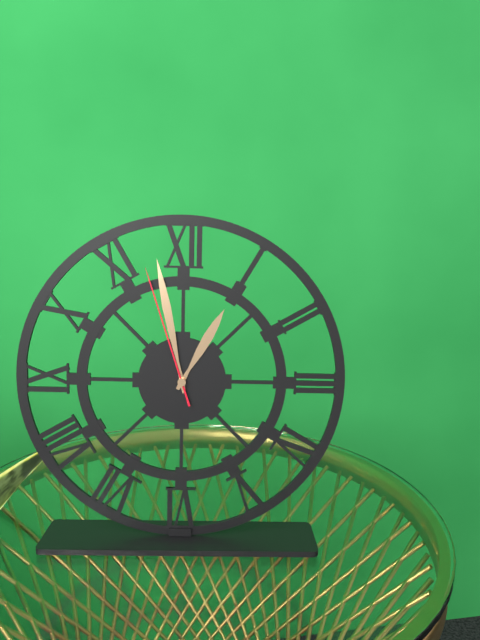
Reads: 12 h 58 min 57 s
